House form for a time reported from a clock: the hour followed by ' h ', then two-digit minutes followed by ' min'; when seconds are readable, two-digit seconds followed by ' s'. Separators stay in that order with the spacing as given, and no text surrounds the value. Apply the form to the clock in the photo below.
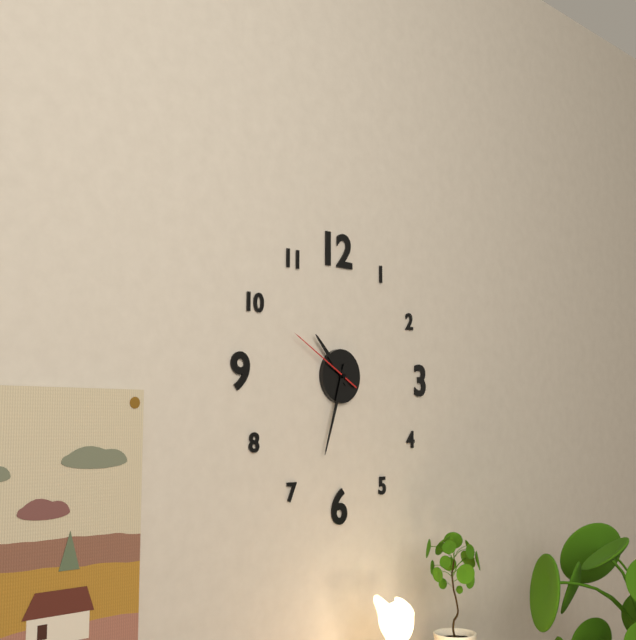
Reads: 10 h 33 min 50 s
